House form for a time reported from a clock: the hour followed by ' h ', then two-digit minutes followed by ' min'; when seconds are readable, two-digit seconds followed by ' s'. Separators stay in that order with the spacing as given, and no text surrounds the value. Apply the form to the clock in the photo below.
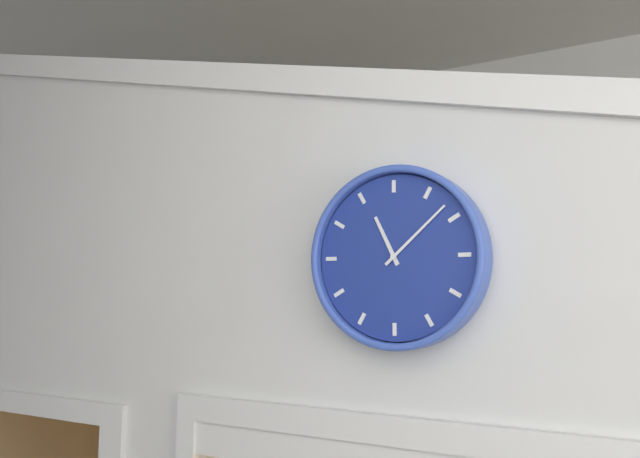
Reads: 11 h 08 min
